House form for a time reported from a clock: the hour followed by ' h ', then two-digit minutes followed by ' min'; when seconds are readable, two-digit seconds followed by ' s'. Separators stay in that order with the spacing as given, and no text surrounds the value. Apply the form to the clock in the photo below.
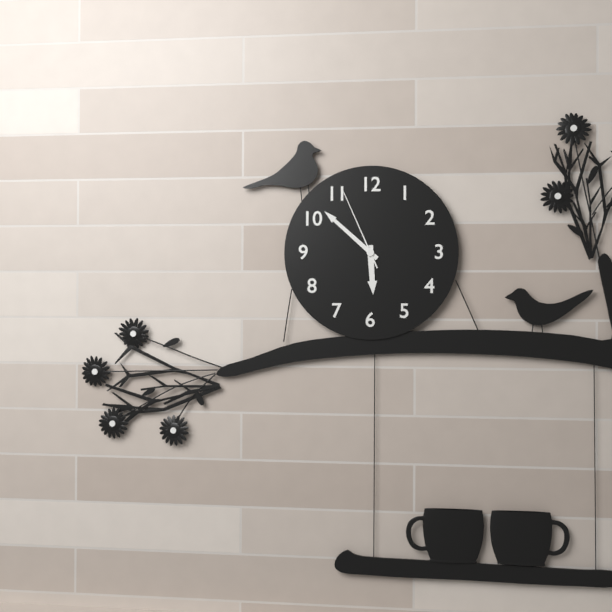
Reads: 5 h 52 min 56 s
